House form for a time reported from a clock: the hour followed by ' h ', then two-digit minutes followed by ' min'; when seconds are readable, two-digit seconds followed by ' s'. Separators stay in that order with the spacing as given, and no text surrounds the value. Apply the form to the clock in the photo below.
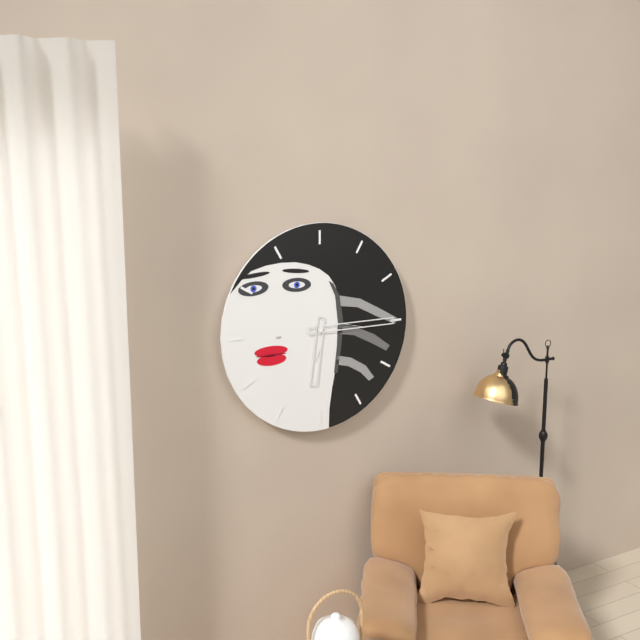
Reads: 6 h 15 min
